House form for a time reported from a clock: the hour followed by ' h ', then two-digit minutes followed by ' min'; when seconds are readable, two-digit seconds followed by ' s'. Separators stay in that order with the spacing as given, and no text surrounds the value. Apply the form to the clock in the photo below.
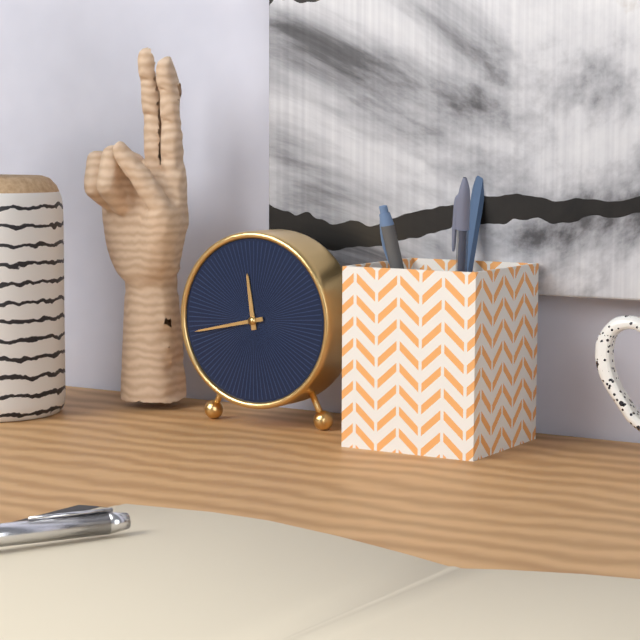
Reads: 11 h 43 min
